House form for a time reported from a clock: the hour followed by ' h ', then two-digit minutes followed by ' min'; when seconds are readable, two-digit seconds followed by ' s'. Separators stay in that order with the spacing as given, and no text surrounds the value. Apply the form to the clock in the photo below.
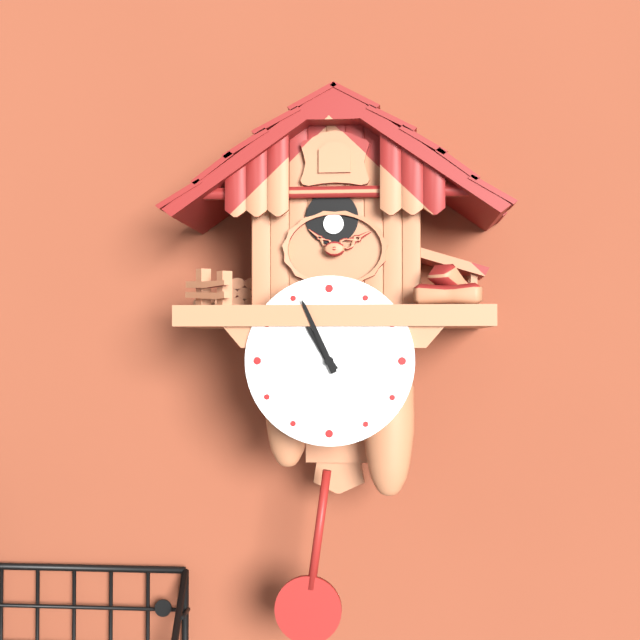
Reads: 10 h 56 min
